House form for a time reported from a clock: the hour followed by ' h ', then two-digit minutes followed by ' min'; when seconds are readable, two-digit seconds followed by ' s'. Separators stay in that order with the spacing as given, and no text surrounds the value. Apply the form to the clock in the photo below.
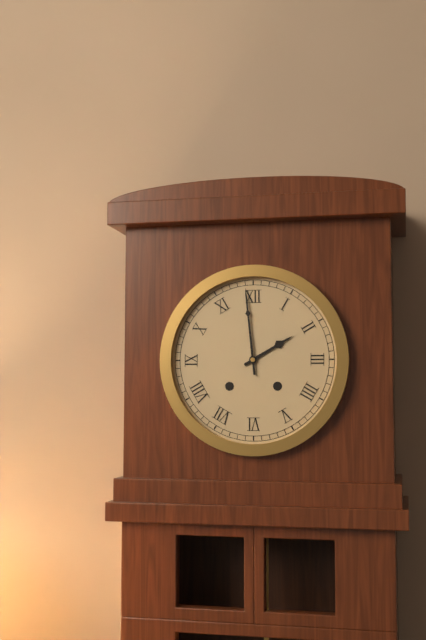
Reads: 1 h 59 min
